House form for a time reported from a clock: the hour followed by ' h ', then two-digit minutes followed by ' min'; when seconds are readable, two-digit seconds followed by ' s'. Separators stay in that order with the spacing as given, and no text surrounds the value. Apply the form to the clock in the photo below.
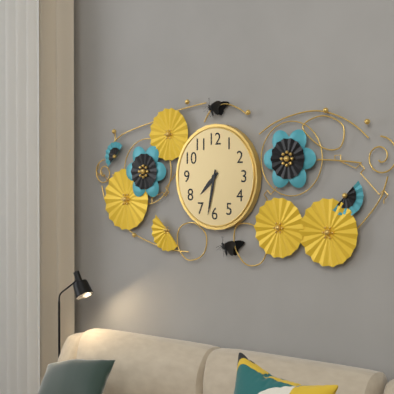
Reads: 7 h 32 min
